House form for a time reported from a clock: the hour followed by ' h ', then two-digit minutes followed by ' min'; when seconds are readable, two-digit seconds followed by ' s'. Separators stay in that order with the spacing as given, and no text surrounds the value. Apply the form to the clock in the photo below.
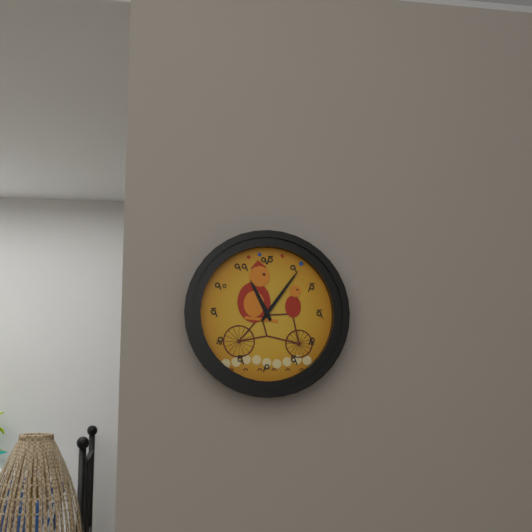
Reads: 11 h 06 min
